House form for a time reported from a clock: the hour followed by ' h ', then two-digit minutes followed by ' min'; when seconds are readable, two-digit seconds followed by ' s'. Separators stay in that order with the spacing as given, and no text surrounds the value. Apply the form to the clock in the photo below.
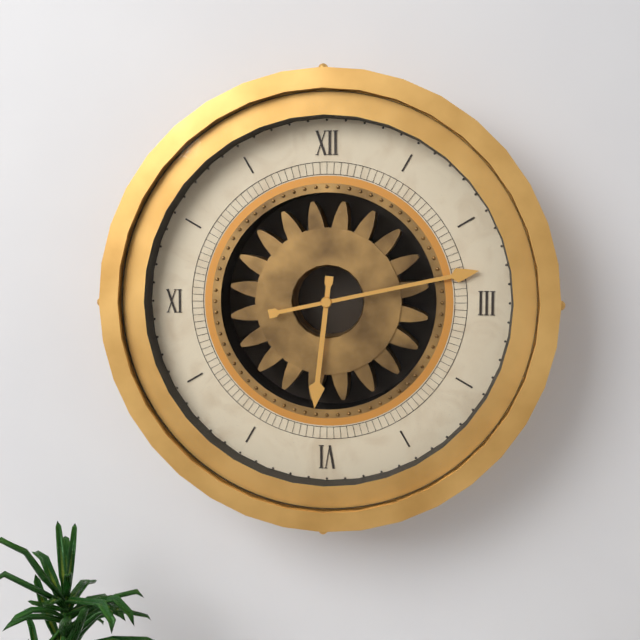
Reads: 6 h 13 min
